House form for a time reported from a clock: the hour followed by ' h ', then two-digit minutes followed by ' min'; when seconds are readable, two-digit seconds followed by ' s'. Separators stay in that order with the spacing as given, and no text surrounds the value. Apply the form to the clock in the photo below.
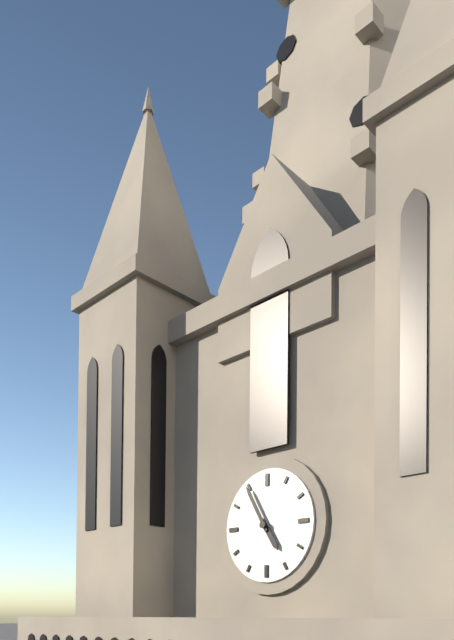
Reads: 4 h 55 min
